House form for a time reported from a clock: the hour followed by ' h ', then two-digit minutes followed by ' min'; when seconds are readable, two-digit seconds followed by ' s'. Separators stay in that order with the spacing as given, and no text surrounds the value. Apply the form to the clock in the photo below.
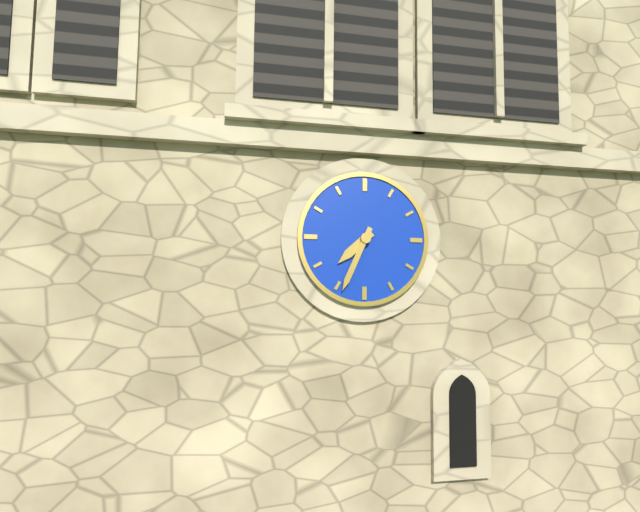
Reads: 7 h 34 min
